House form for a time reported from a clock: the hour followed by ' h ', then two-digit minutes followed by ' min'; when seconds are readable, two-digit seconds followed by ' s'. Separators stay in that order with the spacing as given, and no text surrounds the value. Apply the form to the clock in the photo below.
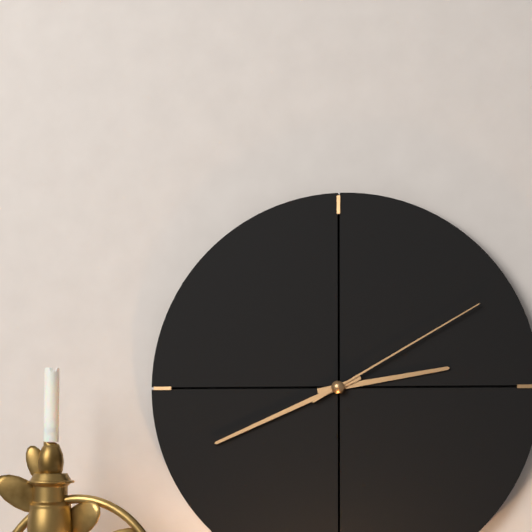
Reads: 2 h 41 min 10 s
